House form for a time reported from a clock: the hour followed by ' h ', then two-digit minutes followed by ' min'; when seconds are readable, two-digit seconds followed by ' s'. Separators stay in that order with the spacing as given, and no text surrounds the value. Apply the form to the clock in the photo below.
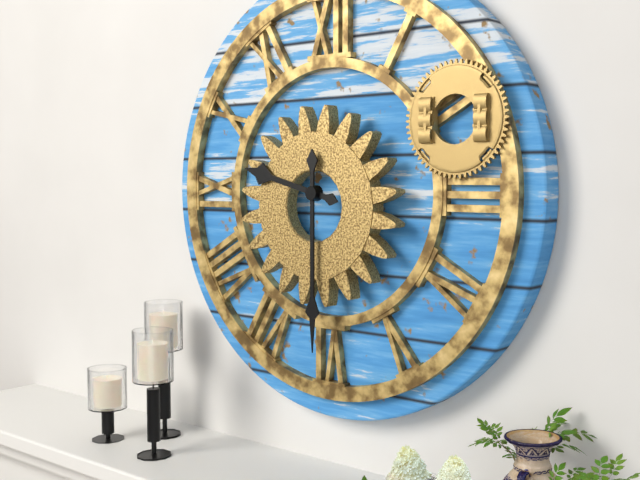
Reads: 9 h 30 min
